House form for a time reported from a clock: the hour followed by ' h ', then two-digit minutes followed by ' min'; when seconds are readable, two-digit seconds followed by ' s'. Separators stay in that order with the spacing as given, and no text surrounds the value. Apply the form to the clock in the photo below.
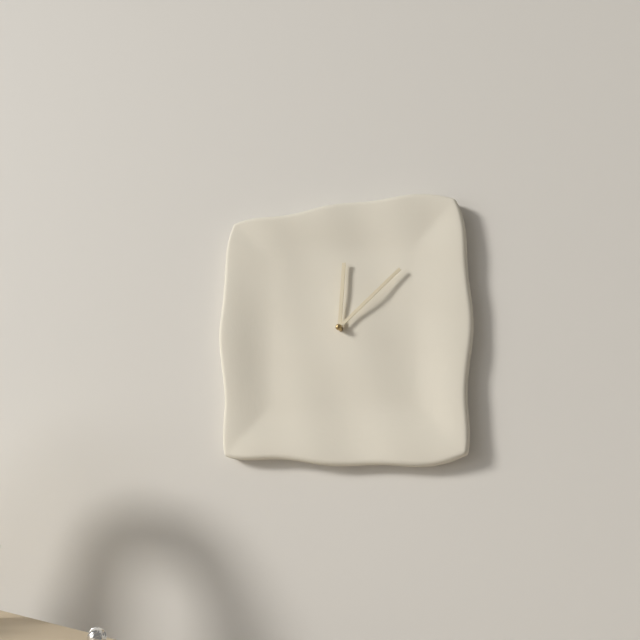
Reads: 12 h 08 min
